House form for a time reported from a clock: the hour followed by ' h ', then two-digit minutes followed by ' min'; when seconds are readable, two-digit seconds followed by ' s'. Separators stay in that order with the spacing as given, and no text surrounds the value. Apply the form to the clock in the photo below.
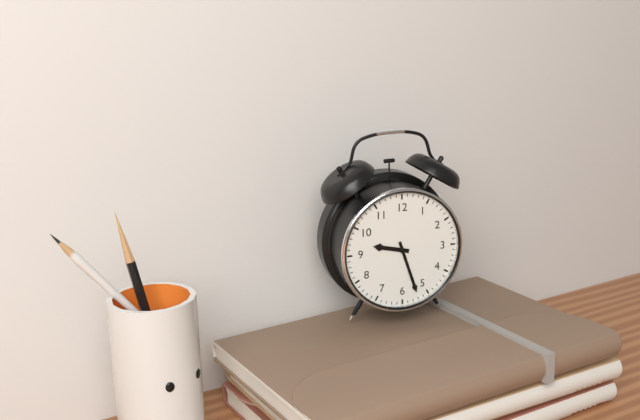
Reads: 9 h 27 min
